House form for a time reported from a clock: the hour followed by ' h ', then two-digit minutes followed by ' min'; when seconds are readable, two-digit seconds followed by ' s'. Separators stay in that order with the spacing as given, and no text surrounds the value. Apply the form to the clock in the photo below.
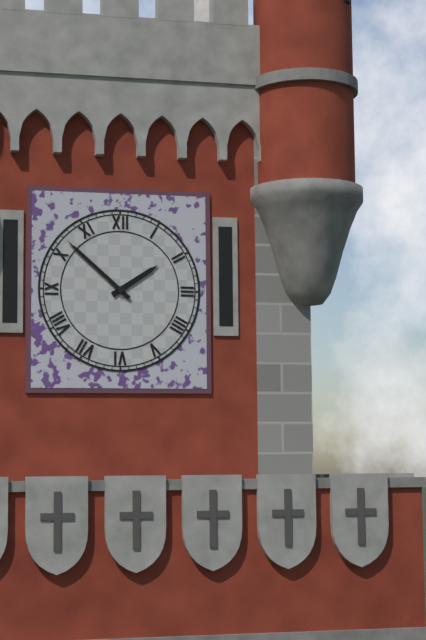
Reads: 1 h 52 min
